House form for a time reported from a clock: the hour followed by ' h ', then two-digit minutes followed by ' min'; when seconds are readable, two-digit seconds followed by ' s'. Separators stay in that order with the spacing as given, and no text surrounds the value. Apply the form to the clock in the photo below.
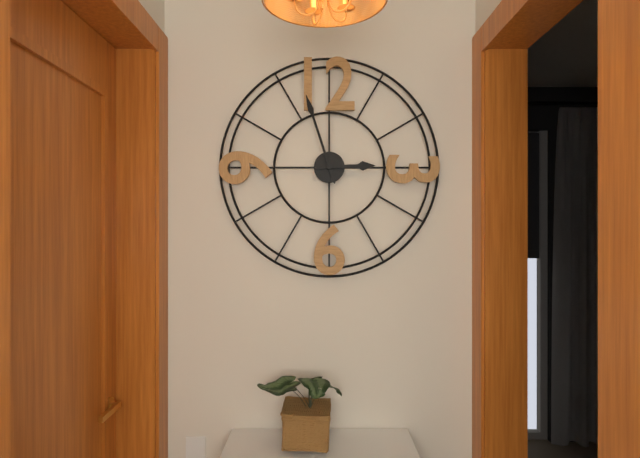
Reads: 2 h 57 min
